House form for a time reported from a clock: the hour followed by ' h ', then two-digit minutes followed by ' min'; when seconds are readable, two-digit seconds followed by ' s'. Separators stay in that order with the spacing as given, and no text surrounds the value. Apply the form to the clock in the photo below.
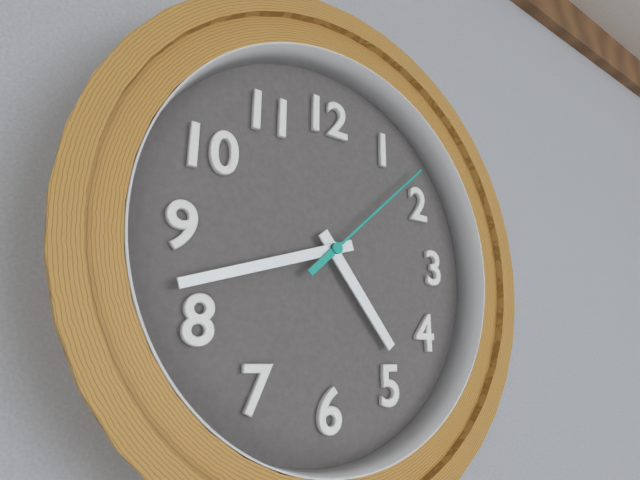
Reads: 4 h 42 min 08 s
